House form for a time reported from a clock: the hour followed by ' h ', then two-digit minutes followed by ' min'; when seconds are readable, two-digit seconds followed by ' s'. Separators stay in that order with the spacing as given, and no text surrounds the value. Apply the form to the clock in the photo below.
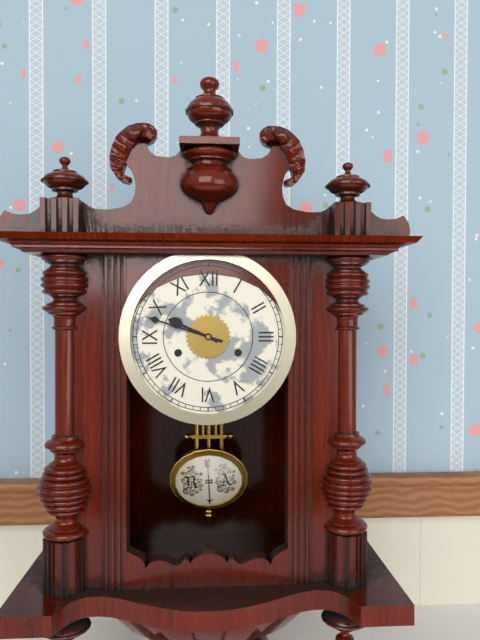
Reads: 9 h 48 min
